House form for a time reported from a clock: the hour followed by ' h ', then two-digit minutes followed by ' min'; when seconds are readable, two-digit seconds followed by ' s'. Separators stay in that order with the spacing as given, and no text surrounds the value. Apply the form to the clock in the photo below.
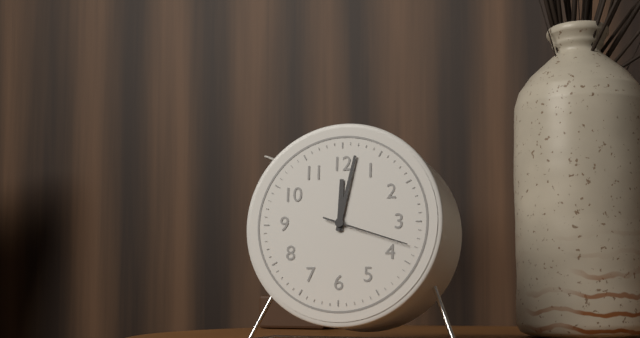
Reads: 12 h 02 min 18 s
